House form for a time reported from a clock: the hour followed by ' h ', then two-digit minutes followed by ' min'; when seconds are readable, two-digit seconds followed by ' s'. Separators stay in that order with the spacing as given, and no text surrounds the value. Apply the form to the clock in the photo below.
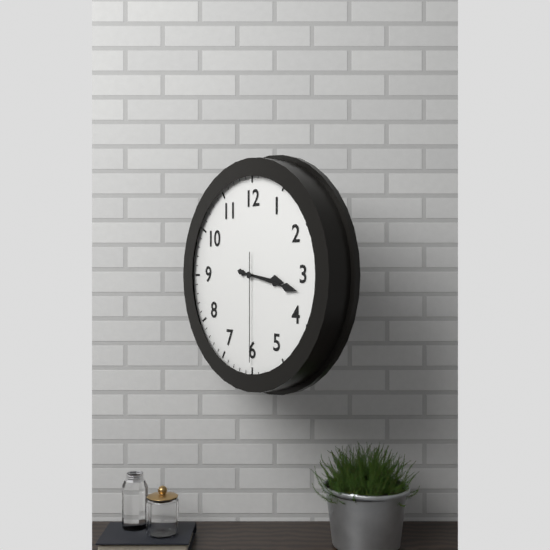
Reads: 3 h 17 min 30 s
